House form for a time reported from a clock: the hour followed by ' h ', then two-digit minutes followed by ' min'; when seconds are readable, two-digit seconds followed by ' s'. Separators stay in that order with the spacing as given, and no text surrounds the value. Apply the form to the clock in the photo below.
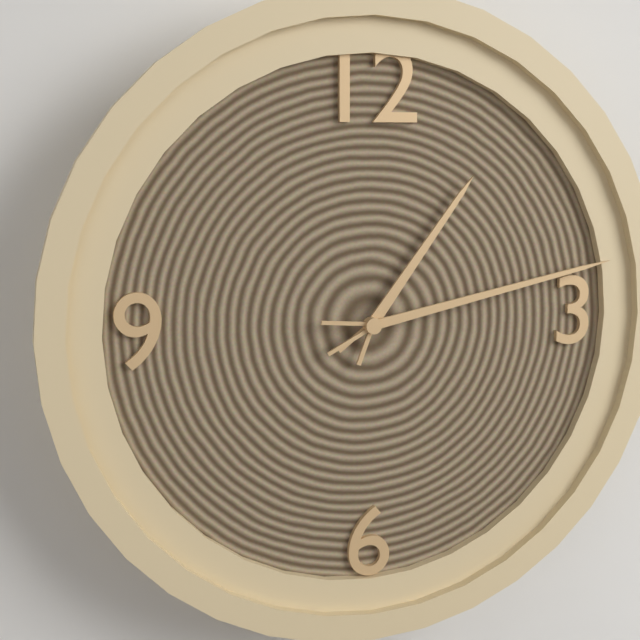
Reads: 1 h 13 min
